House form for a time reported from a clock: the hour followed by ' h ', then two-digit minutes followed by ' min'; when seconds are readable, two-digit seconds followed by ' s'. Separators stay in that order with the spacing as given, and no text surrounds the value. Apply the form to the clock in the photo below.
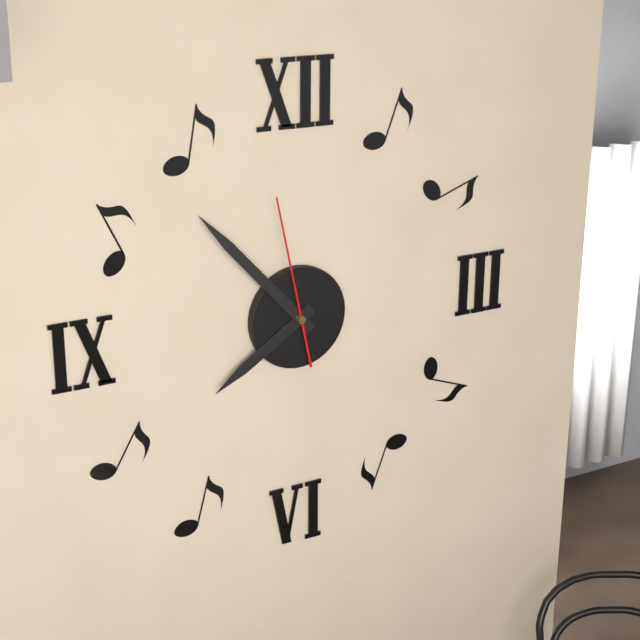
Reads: 7 h 53 min 58 s
